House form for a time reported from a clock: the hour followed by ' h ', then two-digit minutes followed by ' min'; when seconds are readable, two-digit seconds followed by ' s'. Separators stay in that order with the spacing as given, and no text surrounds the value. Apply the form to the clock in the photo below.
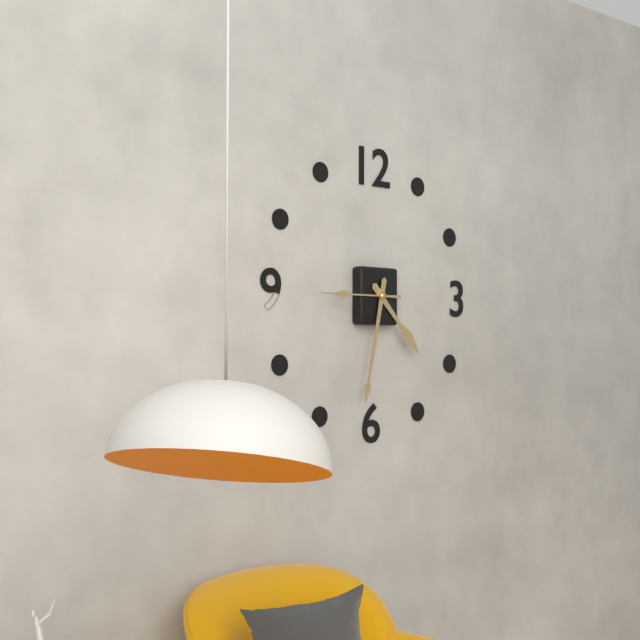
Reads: 4 h 32 min 45 s
